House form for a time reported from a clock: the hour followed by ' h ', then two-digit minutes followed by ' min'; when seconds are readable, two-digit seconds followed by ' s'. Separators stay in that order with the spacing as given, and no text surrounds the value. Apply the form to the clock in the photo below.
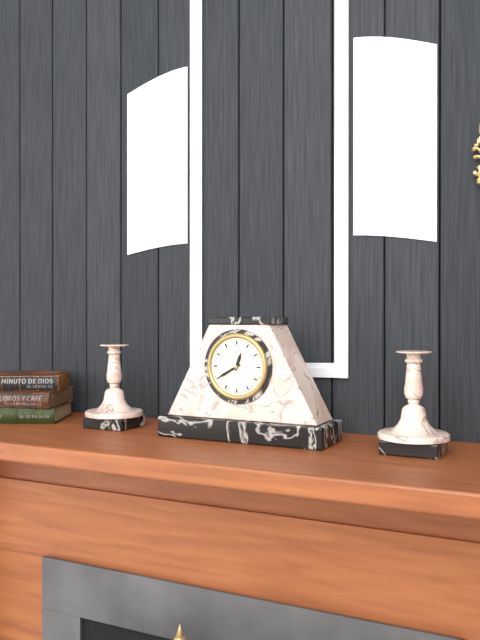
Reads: 12 h 40 min
